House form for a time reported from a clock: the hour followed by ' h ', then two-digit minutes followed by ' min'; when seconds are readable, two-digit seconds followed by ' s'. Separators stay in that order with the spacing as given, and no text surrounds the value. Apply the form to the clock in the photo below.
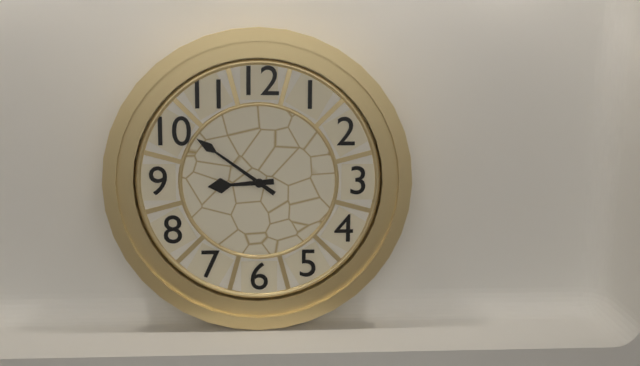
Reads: 8 h 51 min
